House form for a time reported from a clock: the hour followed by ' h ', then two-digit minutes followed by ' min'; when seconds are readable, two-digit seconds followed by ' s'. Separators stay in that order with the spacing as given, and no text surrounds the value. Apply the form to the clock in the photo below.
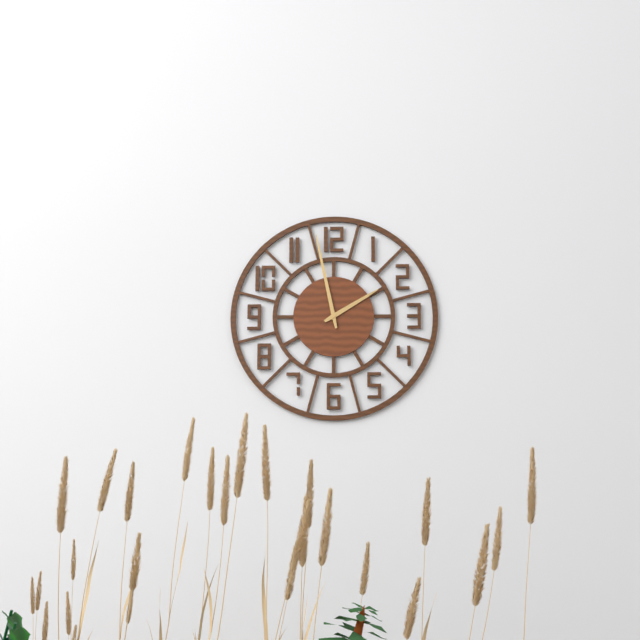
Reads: 1 h 58 min
